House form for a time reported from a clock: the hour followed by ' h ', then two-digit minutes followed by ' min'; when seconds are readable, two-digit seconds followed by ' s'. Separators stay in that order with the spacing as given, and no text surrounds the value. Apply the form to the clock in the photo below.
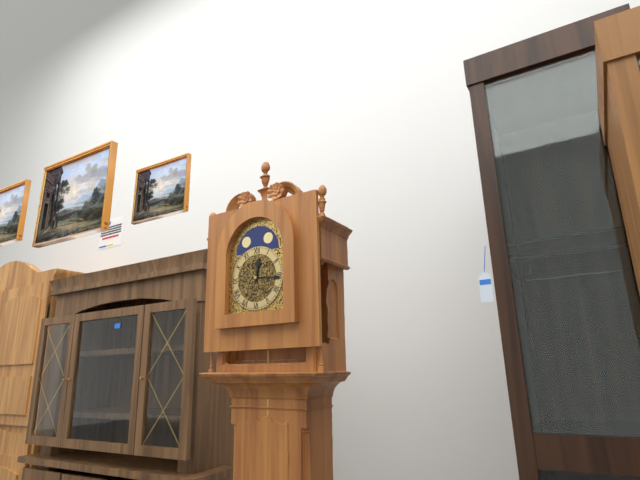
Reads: 12 h 16 min
